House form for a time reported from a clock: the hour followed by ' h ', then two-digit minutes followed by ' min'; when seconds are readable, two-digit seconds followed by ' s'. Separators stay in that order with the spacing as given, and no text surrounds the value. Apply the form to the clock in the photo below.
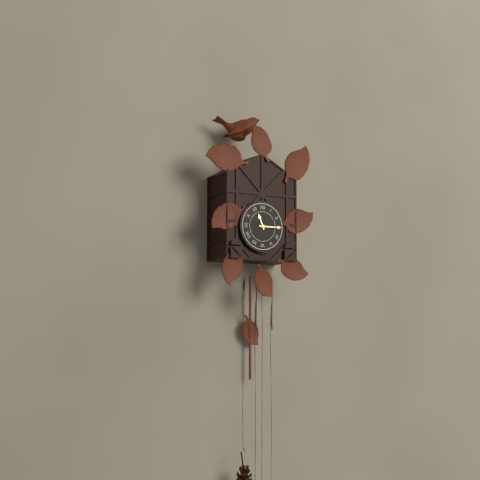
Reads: 11 h 15 min
